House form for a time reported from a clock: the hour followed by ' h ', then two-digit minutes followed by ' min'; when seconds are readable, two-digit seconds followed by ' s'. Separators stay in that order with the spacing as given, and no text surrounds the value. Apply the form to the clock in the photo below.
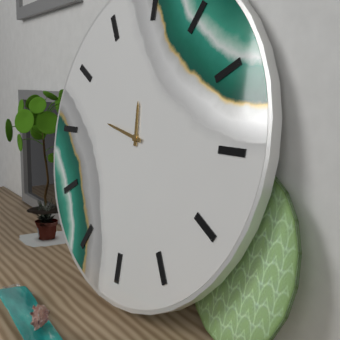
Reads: 11 h 47 min
